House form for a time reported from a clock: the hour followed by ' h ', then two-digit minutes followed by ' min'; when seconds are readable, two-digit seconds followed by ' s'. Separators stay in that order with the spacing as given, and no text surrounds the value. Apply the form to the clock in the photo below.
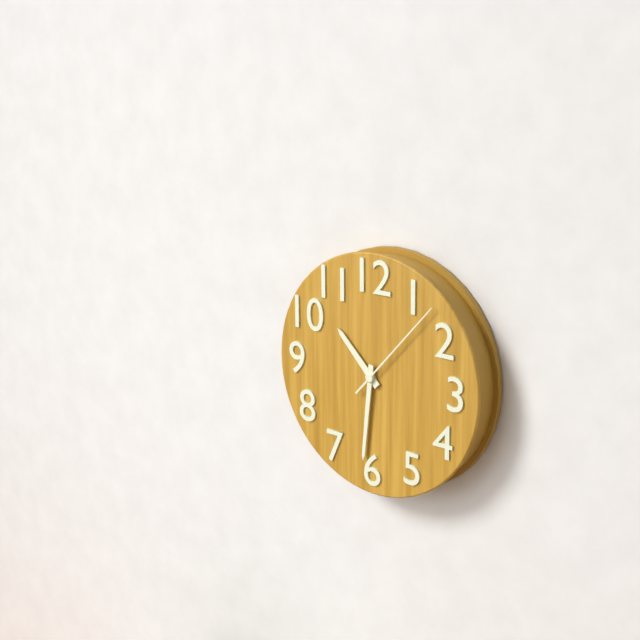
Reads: 10 h 31 min 07 s
